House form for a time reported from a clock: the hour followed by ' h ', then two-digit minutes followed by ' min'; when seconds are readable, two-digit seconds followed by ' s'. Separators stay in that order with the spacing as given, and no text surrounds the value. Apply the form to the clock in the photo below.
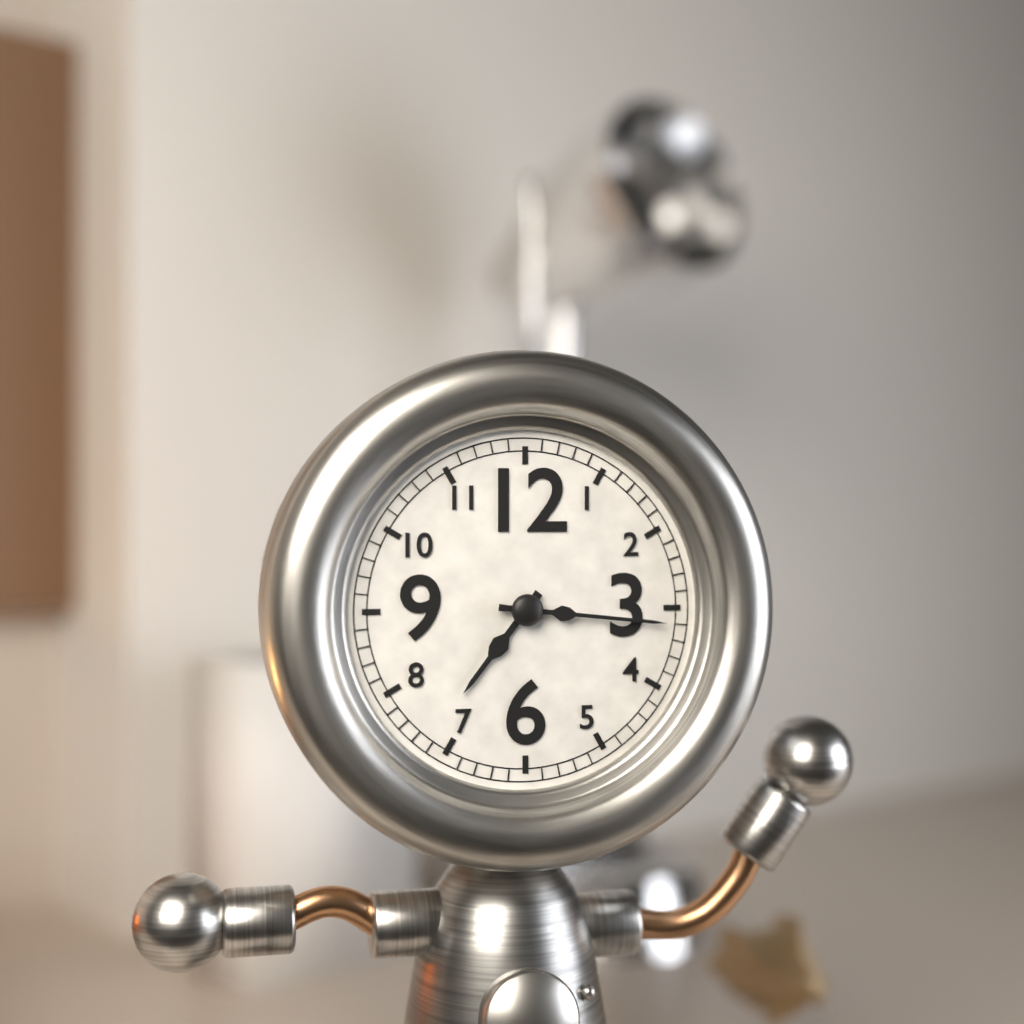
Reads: 7 h 16 min
